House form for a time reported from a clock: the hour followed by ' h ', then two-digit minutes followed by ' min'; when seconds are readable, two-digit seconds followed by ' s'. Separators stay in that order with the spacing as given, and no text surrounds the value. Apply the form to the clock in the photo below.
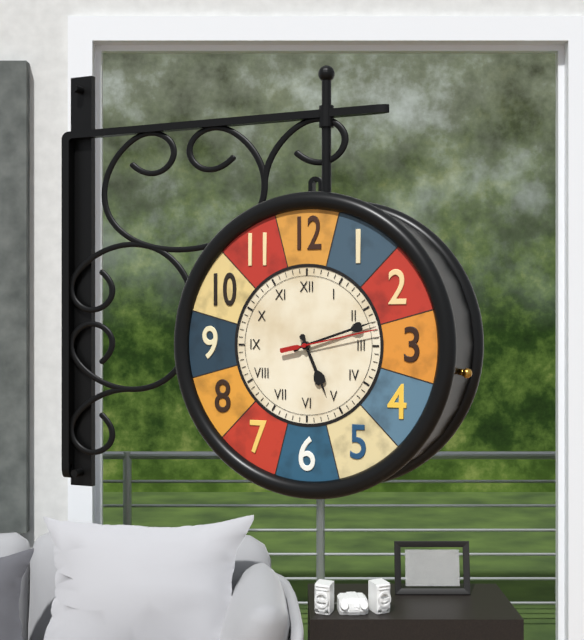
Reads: 5 h 12 min 13 s
